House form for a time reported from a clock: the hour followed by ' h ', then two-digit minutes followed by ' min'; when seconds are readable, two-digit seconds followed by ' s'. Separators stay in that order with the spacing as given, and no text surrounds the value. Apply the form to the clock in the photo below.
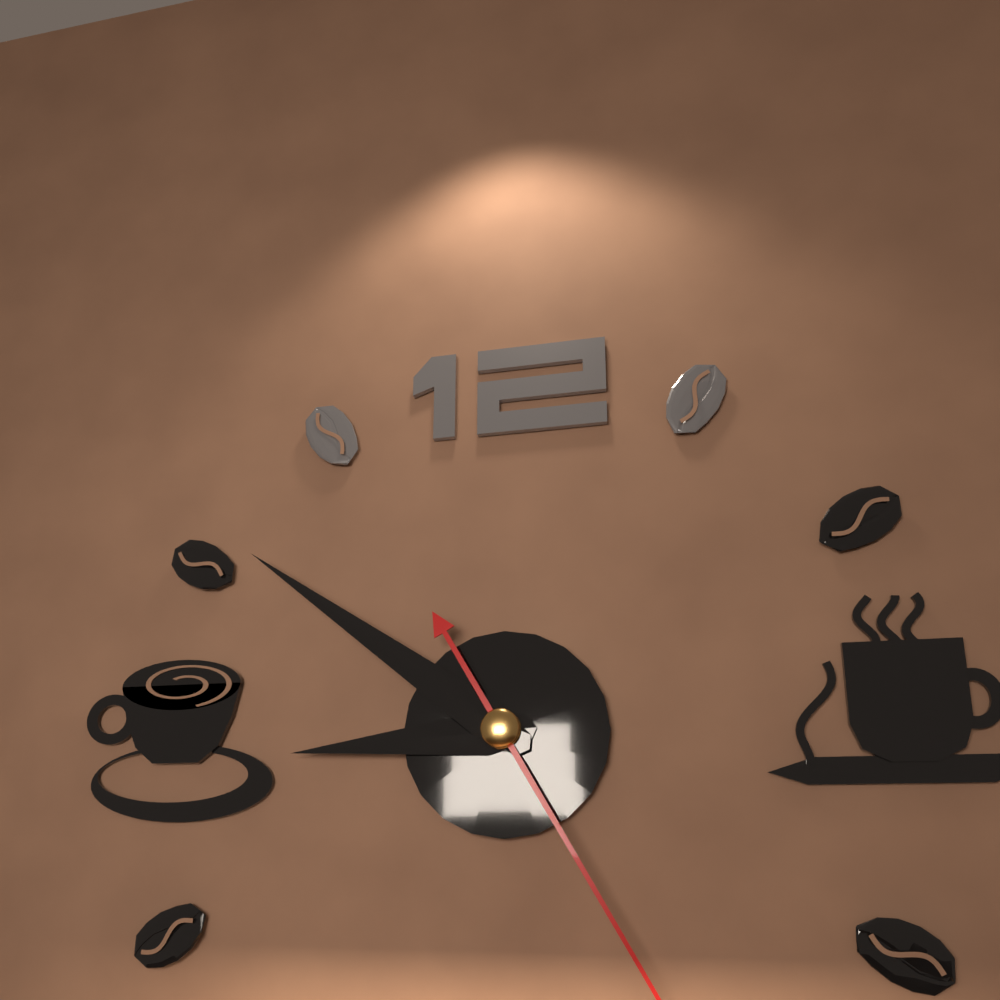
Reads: 8 h 51 min
